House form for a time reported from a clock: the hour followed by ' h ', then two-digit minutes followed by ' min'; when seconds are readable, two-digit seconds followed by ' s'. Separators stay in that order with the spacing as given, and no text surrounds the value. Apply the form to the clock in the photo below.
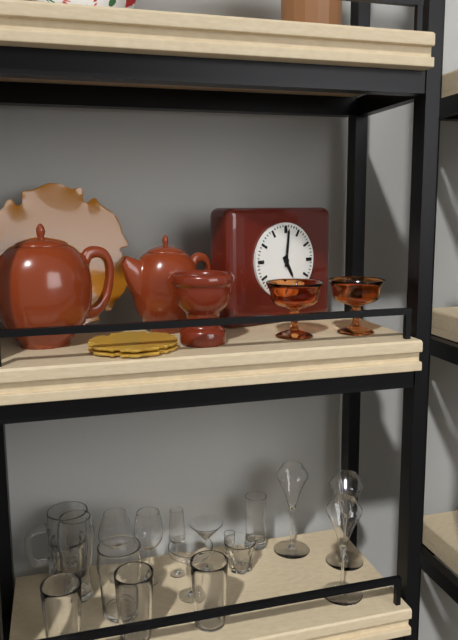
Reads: 5 h 01 min
